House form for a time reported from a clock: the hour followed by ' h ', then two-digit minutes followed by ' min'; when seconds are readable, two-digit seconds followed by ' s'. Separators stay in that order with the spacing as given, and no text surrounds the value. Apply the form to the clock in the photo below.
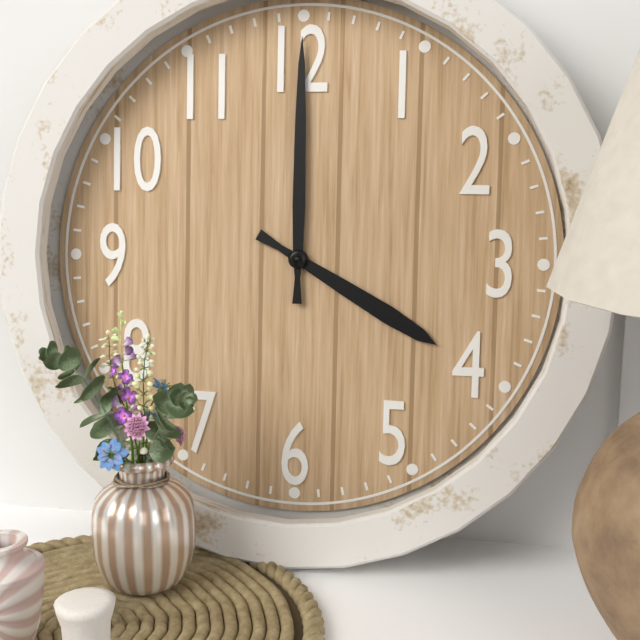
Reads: 4 h 00 min
